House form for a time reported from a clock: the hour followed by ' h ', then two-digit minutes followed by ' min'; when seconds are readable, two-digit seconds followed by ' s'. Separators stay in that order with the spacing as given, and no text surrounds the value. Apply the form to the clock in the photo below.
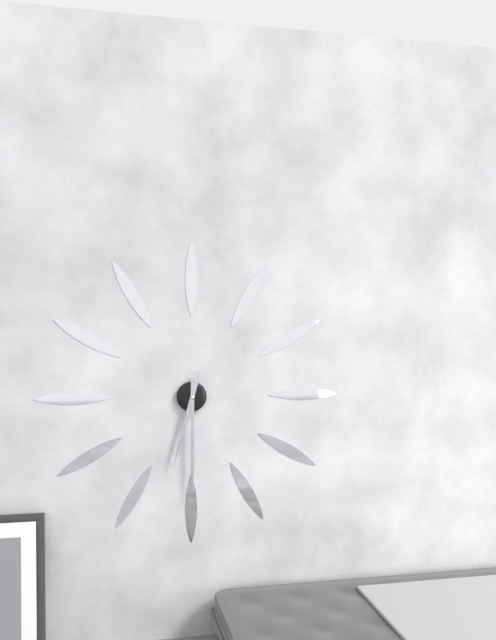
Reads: 6 h 30 min
